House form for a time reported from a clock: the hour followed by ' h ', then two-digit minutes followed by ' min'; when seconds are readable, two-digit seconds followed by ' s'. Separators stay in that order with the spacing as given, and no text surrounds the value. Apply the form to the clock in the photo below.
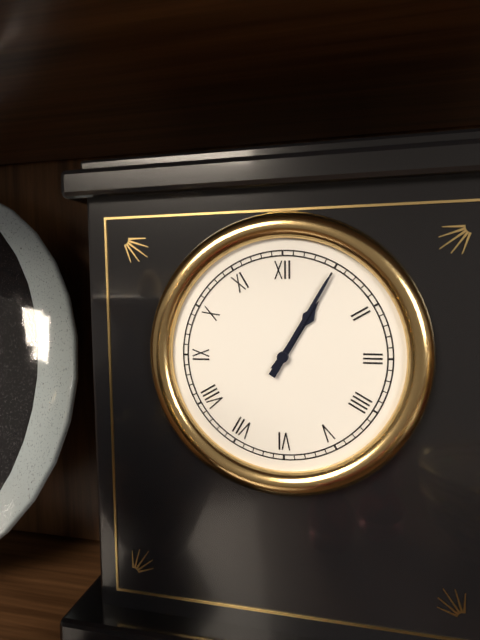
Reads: 1 h 05 min
